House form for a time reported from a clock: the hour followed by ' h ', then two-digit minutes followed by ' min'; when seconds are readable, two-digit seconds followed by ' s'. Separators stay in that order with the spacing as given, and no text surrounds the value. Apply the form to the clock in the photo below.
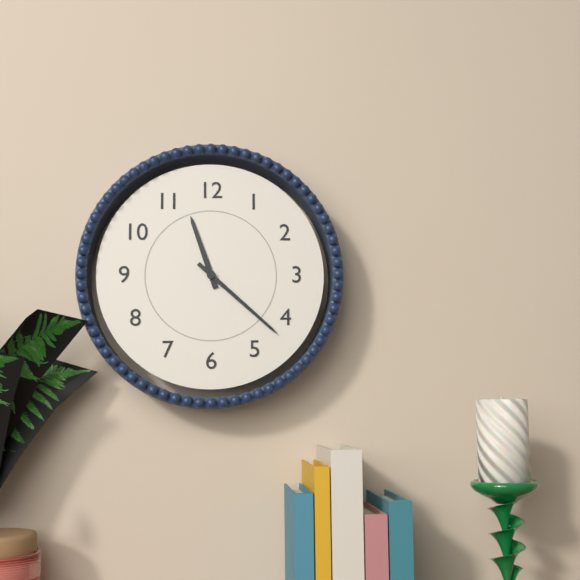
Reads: 11 h 22 min
